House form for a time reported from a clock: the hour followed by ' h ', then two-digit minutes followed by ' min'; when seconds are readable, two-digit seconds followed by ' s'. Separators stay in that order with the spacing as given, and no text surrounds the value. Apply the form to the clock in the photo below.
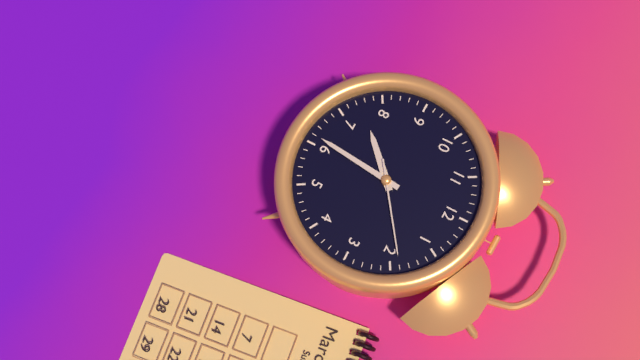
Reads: 7 h 31 min 09 s
